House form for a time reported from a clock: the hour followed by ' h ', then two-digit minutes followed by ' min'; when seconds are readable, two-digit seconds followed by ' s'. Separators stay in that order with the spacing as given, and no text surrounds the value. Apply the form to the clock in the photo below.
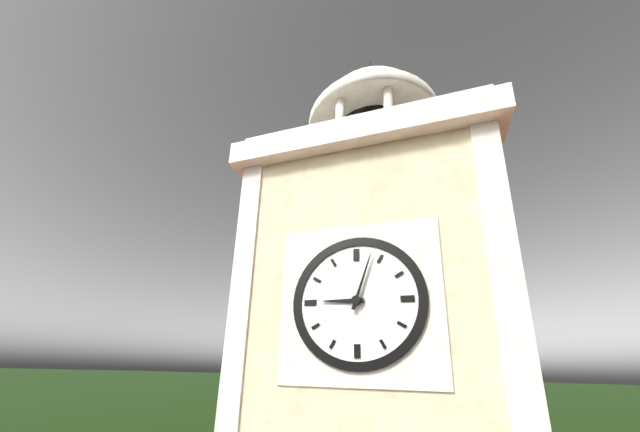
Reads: 9 h 03 min
